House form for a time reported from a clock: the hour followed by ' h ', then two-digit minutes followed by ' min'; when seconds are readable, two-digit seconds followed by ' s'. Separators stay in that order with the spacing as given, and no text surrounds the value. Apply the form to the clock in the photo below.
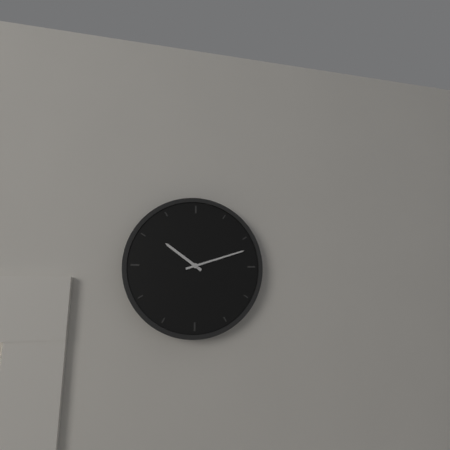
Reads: 10 h 12 min
